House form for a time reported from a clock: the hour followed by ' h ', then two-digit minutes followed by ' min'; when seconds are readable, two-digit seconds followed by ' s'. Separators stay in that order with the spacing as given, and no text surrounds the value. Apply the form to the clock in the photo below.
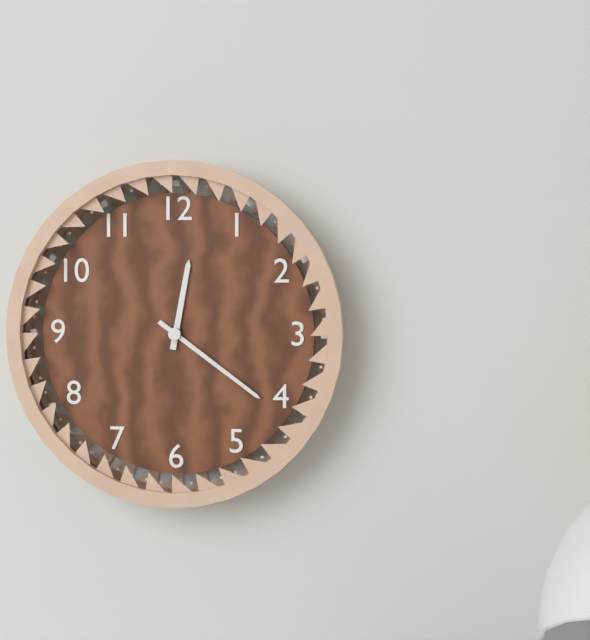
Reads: 12 h 21 min
